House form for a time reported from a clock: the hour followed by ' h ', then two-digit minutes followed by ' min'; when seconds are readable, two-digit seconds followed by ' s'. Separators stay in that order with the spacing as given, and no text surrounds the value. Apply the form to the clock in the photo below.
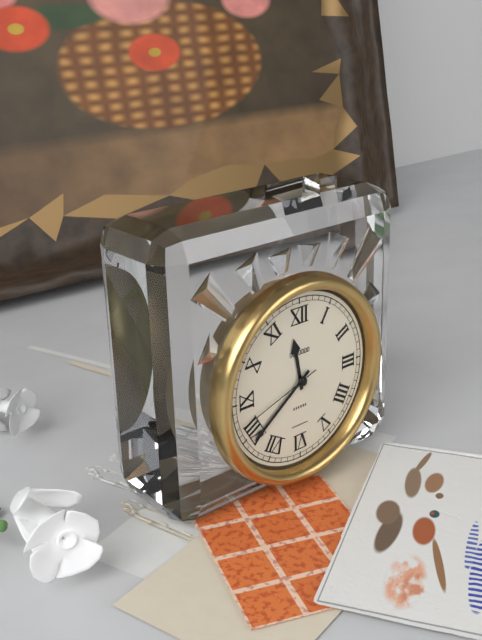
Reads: 11 h 39 min 42 s
